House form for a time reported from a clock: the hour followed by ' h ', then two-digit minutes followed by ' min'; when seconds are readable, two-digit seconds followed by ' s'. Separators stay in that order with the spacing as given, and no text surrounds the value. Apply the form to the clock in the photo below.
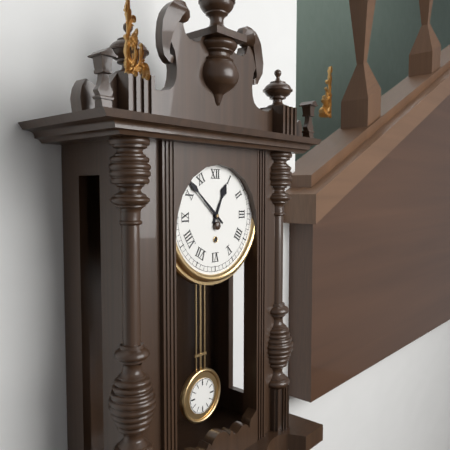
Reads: 12 h 52 min
